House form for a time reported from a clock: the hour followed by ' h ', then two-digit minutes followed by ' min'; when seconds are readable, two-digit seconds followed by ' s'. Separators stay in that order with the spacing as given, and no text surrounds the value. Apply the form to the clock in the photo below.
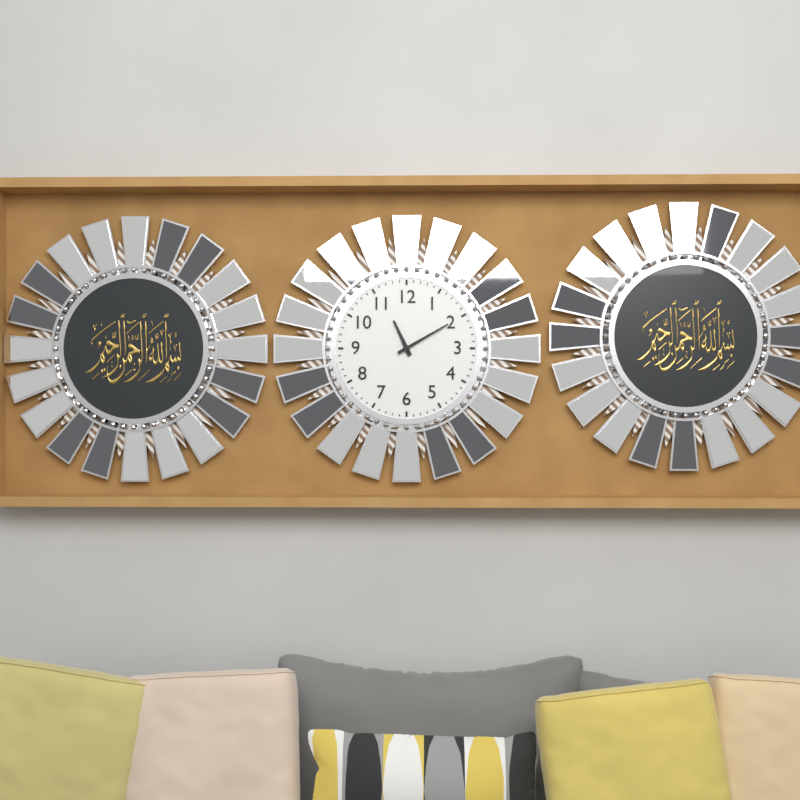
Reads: 11 h 10 min
